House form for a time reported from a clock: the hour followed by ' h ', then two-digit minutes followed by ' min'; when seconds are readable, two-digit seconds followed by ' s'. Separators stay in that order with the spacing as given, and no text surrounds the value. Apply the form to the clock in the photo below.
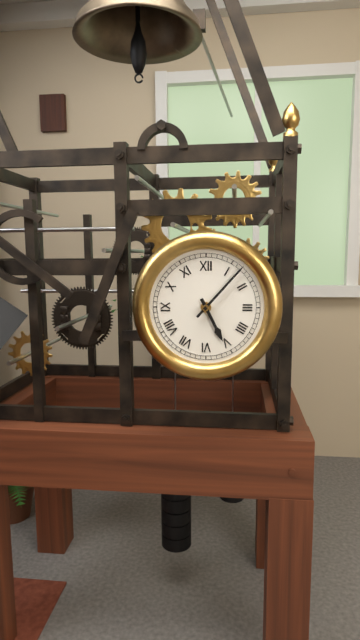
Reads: 5 h 07 min
